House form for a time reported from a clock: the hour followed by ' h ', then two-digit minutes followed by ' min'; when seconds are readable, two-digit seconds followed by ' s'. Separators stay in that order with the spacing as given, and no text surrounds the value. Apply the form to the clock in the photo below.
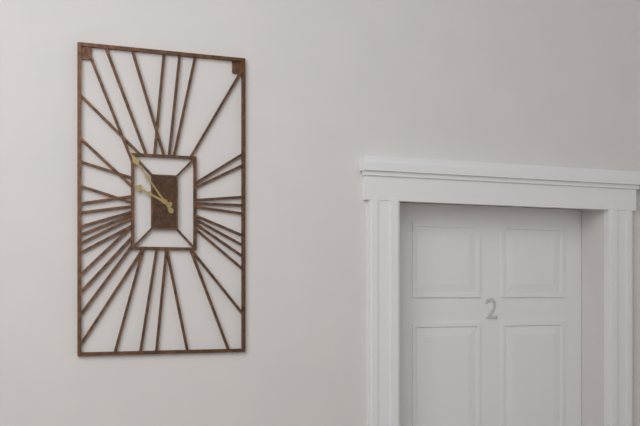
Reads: 9 h 54 min
